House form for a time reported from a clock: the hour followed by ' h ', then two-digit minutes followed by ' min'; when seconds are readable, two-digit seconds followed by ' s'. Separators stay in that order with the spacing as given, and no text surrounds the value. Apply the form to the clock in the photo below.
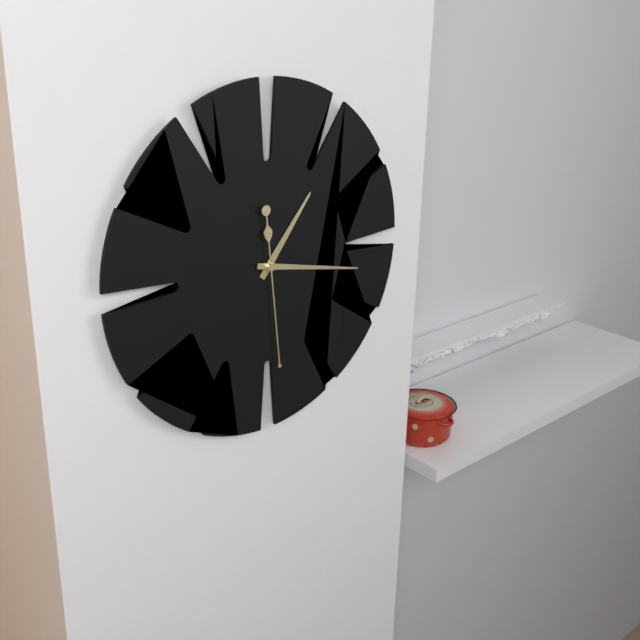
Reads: 1 h 17 min 29 s
